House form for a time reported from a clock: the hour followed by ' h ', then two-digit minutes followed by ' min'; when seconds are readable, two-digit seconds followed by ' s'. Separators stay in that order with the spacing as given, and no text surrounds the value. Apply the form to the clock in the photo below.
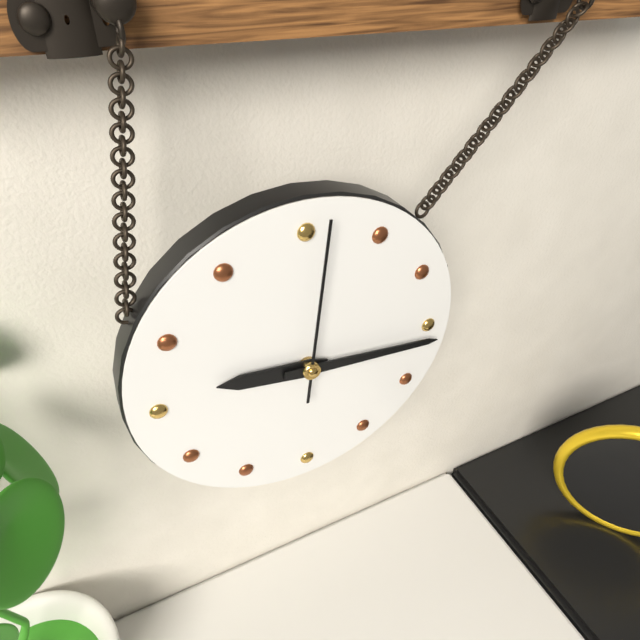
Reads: 9 h 16 min 01 s
